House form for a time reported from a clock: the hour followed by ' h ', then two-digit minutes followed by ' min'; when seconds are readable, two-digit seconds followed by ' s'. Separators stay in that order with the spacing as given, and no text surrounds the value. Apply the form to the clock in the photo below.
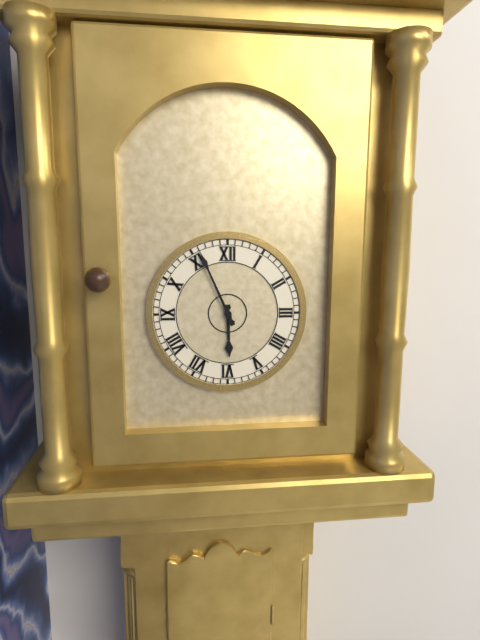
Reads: 5 h 56 min
